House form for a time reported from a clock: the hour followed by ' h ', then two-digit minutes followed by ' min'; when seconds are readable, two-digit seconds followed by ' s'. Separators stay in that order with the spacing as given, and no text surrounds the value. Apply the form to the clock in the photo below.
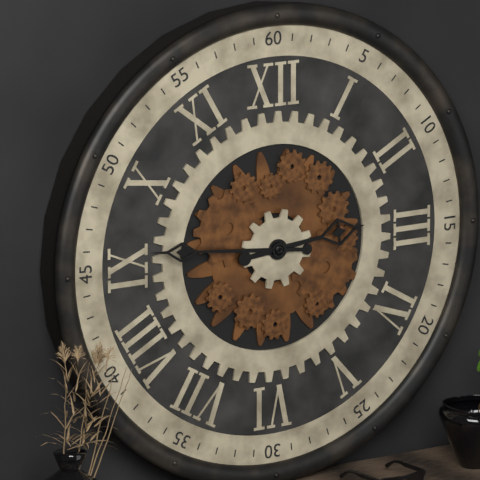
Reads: 2 h 46 min
